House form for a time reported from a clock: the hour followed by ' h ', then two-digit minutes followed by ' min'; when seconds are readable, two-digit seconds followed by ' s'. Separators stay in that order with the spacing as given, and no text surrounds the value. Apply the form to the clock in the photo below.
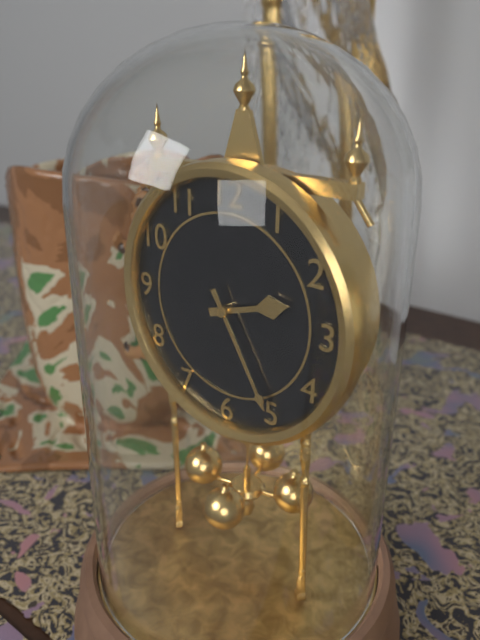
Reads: 2 h 25 min
